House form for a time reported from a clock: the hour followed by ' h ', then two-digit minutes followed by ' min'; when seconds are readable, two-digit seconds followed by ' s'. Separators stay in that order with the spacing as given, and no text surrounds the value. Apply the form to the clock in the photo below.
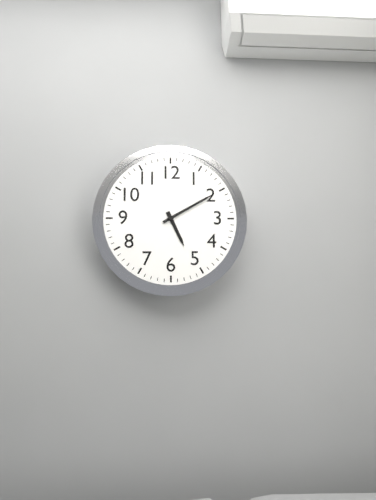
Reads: 5 h 10 min
